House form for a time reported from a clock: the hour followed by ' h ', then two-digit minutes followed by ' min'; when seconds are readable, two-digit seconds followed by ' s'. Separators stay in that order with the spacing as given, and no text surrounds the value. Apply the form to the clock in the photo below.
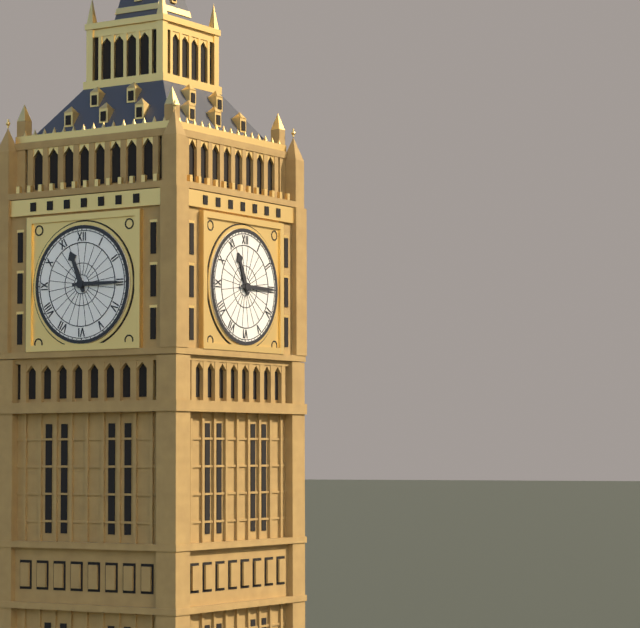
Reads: 11 h 15 min
